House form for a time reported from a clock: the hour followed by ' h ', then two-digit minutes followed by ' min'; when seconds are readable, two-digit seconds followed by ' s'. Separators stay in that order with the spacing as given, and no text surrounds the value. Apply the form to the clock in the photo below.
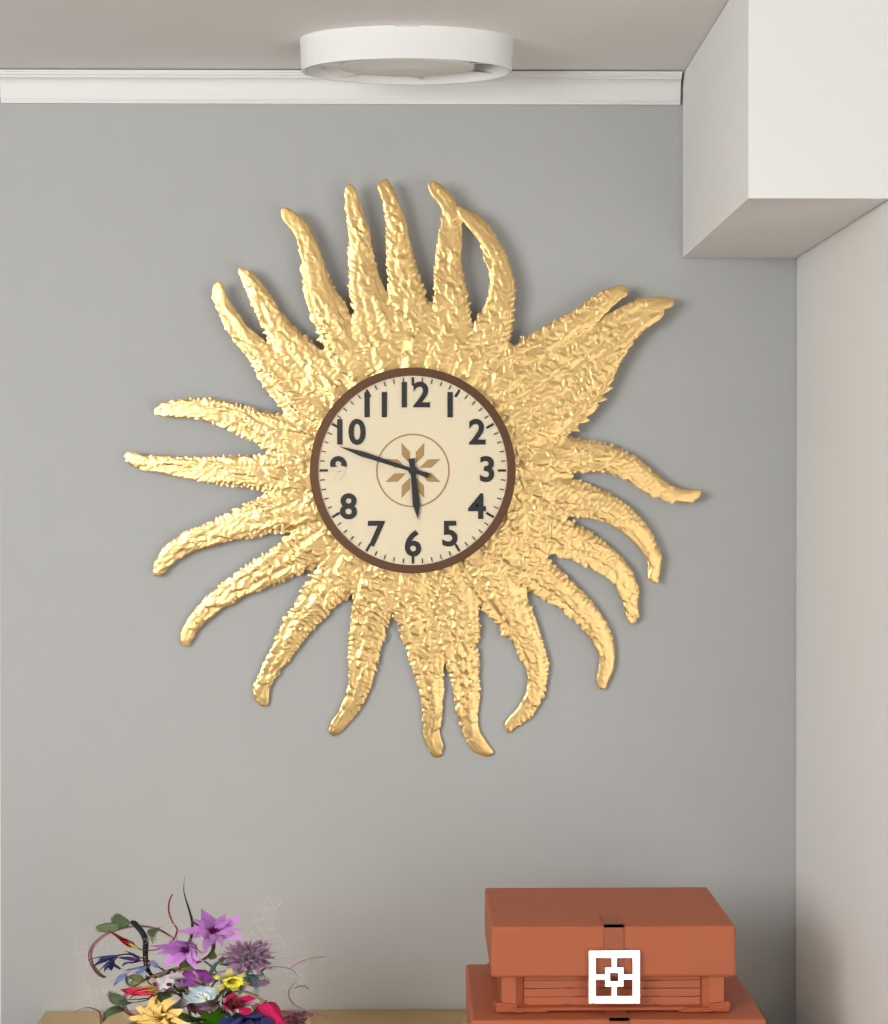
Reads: 5 h 48 min
